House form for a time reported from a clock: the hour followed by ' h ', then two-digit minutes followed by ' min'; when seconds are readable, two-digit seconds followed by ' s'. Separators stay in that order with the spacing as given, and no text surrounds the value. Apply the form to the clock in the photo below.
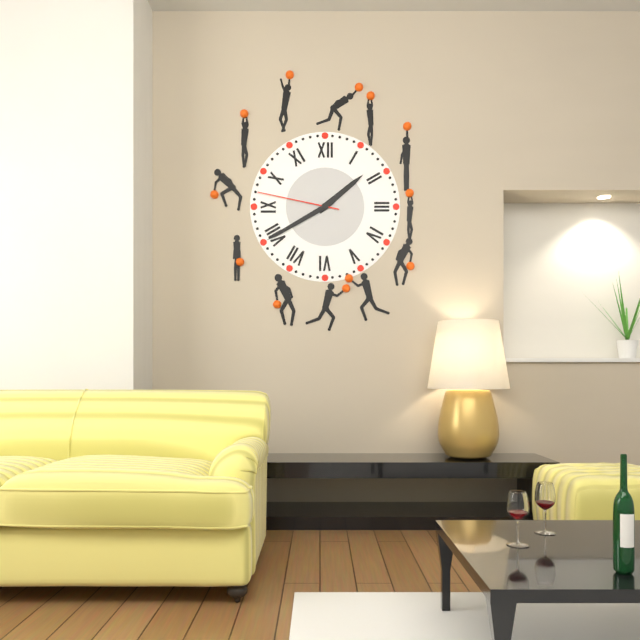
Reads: 1 h 40 min 47 s
